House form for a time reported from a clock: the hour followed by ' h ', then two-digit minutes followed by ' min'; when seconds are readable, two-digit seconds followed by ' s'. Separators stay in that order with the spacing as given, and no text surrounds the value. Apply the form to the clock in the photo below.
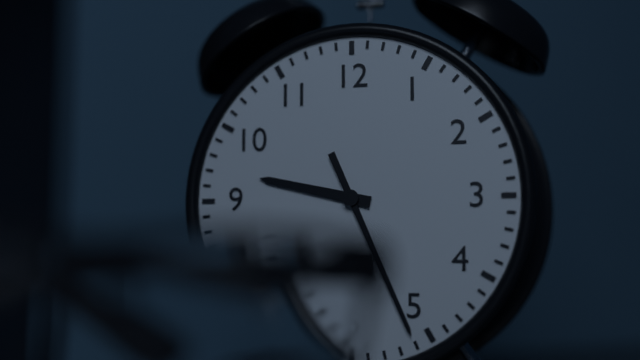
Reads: 9 h 26 min
